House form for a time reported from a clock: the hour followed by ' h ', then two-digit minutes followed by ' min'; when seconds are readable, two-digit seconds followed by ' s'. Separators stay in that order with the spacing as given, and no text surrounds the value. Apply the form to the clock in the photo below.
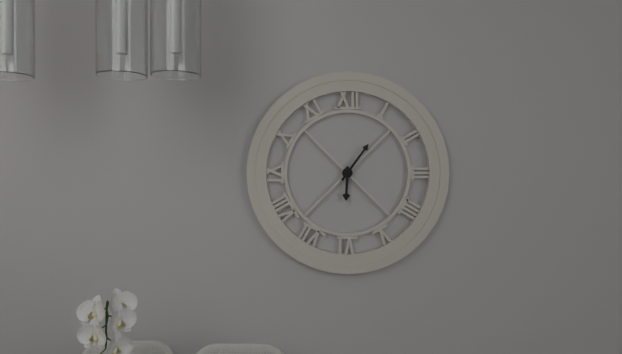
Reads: 6 h 06 min
